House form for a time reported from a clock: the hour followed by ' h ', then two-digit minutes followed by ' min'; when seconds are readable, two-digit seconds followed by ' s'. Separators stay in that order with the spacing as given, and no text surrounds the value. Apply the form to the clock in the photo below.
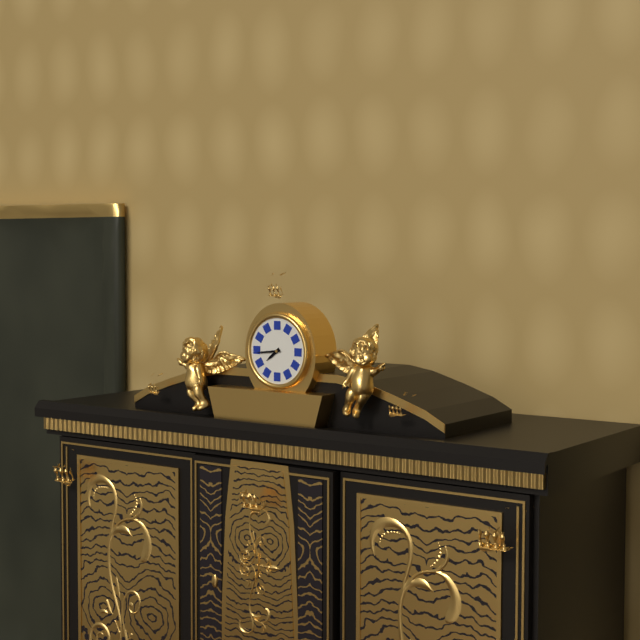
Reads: 7 h 44 min
